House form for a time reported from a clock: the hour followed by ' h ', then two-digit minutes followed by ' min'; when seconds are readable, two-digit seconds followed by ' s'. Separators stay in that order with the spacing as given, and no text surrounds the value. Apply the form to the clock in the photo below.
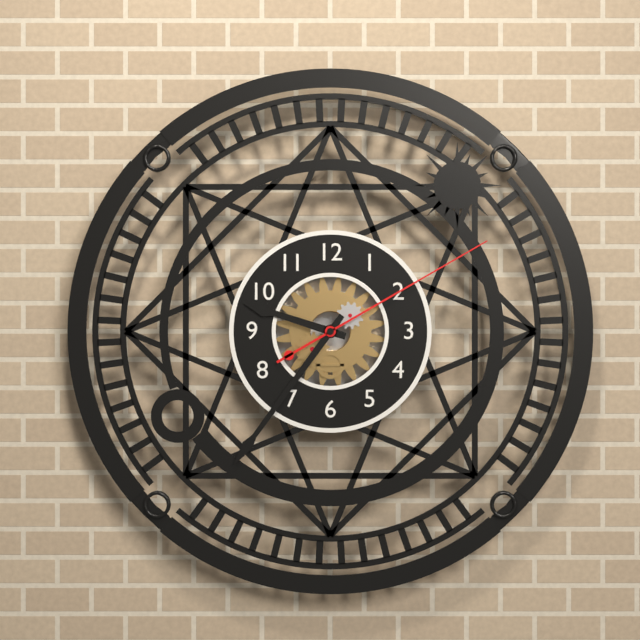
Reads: 9 h 36 min 10 s
